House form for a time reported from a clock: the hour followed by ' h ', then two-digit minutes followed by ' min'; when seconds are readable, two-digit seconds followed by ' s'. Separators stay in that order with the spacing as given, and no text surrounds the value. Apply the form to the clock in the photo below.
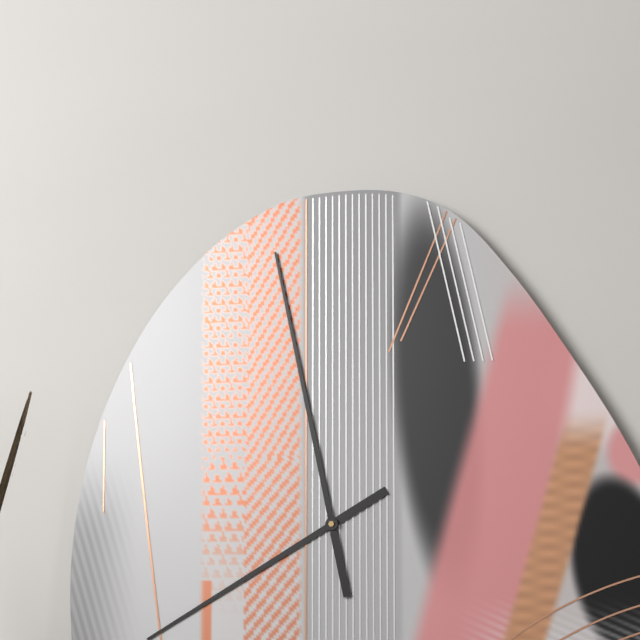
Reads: 7 h 58 min
